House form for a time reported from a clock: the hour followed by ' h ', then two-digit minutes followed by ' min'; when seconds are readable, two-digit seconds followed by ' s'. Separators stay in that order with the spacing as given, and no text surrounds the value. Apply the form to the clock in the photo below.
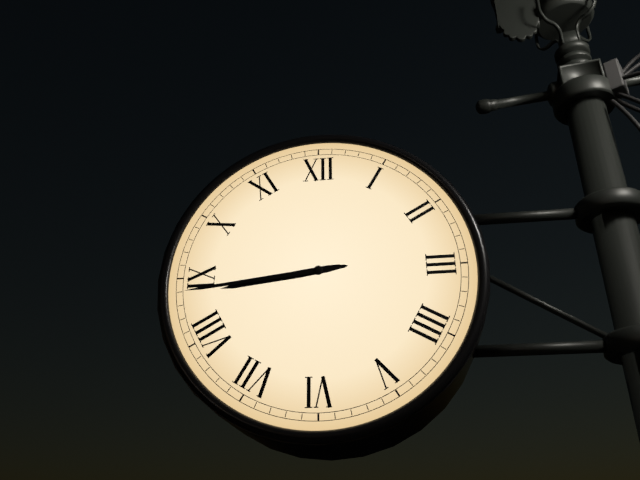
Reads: 8 h 44 min
